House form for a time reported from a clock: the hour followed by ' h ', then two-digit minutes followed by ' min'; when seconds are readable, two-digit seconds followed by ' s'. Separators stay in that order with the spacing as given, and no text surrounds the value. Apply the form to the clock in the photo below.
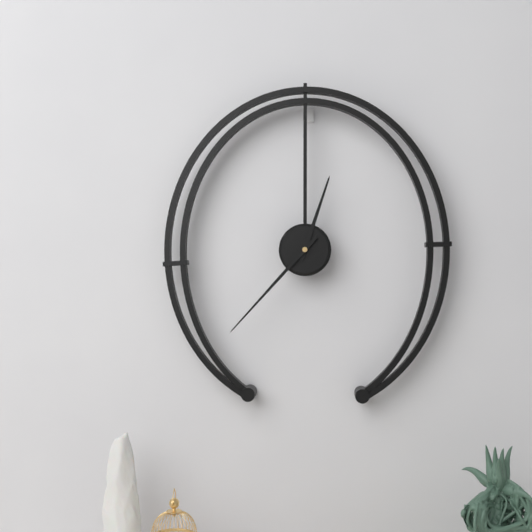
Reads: 12 h 37 min
